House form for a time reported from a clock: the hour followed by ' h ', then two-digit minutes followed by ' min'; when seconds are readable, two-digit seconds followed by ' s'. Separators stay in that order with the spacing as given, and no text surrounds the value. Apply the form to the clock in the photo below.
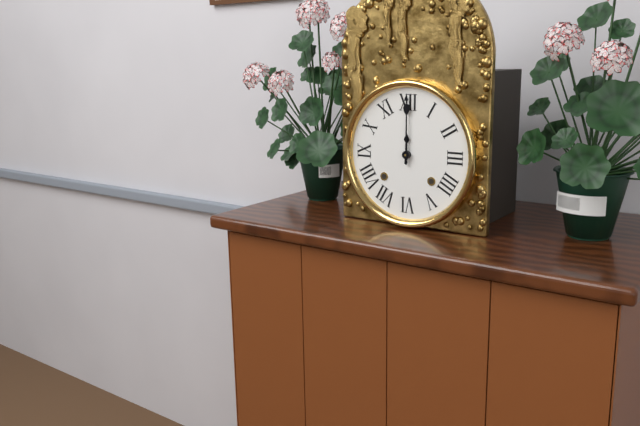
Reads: 12 h 00 min
